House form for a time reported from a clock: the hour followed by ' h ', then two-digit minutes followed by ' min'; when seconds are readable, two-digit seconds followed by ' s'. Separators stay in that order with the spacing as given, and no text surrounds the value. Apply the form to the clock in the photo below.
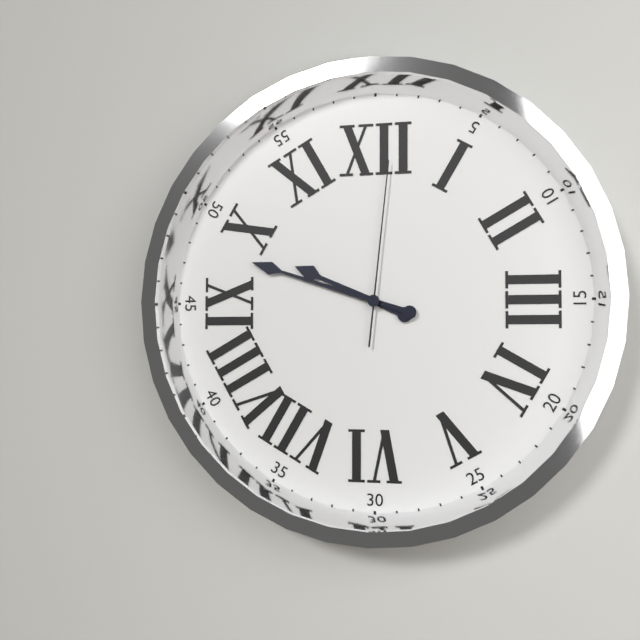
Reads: 9 h 48 min 01 s
